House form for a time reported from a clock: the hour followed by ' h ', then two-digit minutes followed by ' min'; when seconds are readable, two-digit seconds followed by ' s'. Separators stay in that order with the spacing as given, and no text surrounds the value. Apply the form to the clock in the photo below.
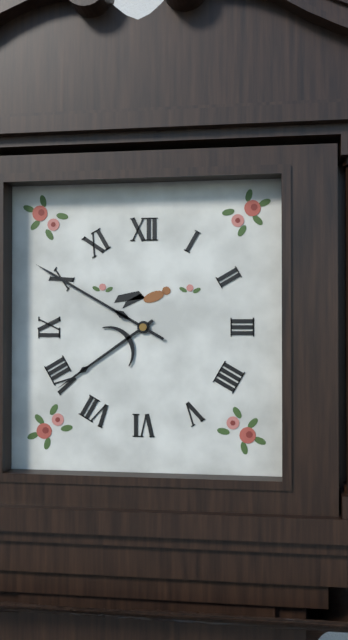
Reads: 7 h 50 min
